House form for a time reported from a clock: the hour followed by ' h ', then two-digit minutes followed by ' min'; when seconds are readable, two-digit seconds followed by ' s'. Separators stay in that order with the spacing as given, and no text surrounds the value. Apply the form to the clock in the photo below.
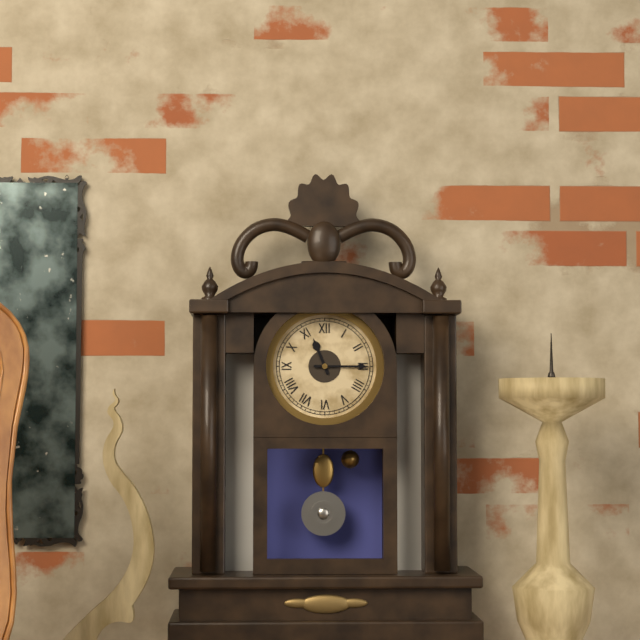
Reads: 11 h 15 min
